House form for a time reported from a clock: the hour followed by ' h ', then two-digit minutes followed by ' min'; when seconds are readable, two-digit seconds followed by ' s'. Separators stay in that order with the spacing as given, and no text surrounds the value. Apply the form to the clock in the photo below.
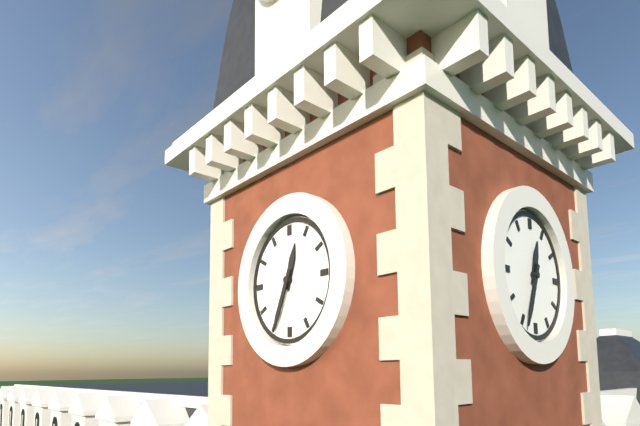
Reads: 12 h 34 min
